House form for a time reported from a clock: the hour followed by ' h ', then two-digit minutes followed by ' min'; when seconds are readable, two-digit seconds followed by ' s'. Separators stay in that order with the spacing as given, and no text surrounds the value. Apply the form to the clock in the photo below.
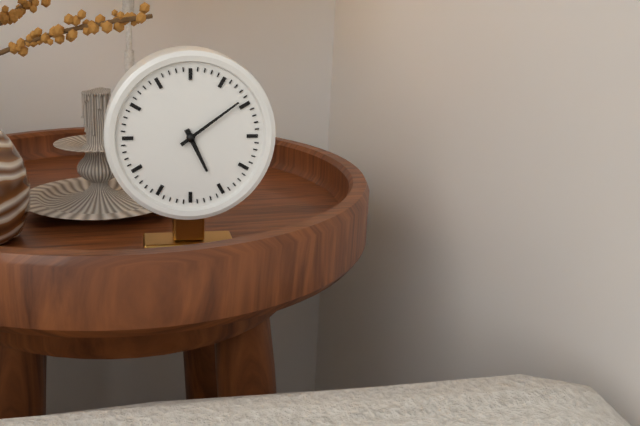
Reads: 5 h 09 min
